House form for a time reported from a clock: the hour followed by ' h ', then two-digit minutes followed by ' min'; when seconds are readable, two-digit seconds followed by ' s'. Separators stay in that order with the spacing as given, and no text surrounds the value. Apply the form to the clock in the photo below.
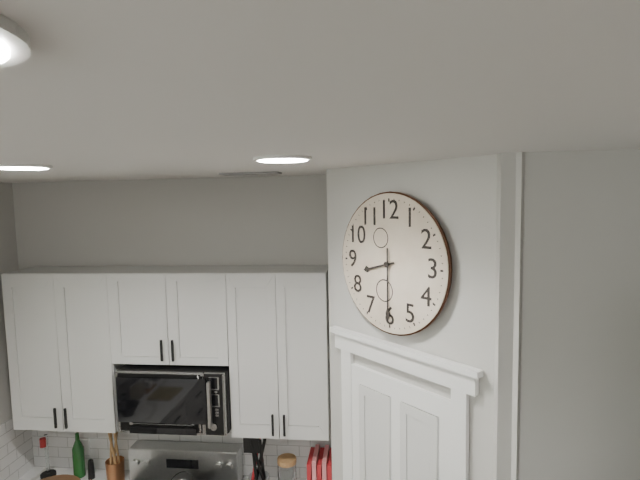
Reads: 8 h 30 min
